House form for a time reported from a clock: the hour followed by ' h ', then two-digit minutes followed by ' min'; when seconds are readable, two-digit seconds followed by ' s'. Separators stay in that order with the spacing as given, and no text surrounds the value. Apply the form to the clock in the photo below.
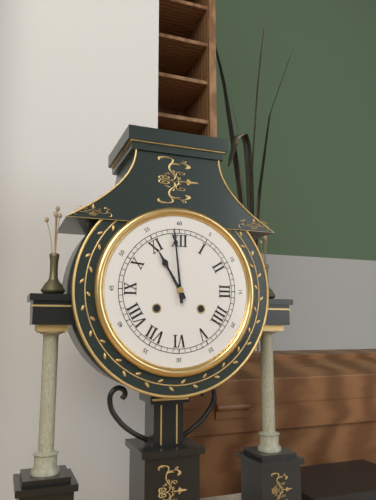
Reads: 10 h 59 min
